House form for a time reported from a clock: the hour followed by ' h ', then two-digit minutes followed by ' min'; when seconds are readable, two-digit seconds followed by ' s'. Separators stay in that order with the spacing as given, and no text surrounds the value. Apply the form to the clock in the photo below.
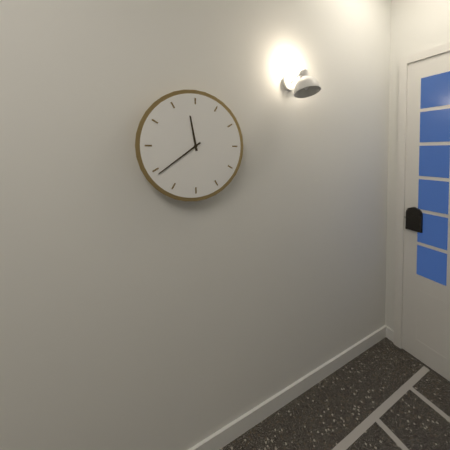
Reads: 11 h 39 min
